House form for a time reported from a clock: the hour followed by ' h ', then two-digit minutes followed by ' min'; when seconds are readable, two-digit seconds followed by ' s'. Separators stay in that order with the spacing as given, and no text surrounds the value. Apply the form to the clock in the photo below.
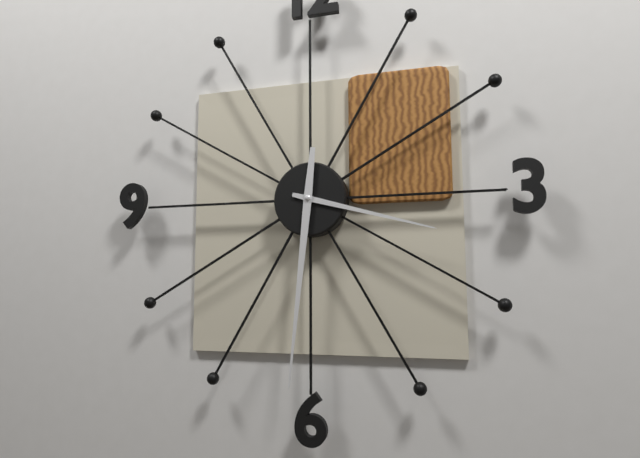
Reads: 3 h 31 min
